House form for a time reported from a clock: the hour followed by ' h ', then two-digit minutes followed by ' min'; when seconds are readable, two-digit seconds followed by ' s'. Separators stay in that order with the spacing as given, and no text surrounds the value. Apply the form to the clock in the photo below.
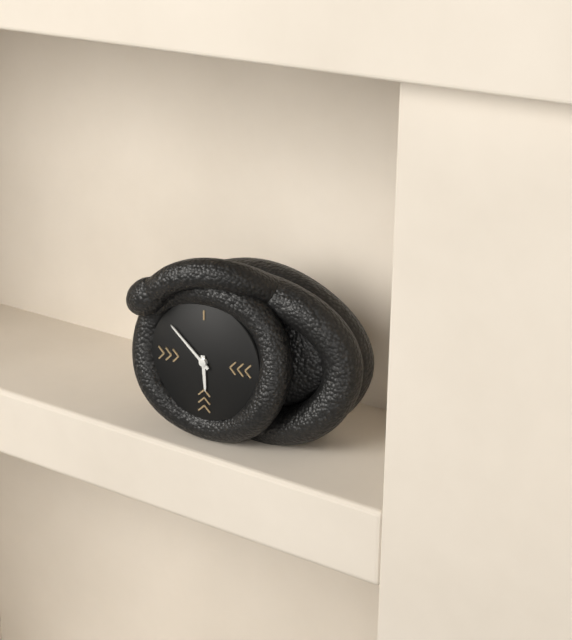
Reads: 5 h 52 min
